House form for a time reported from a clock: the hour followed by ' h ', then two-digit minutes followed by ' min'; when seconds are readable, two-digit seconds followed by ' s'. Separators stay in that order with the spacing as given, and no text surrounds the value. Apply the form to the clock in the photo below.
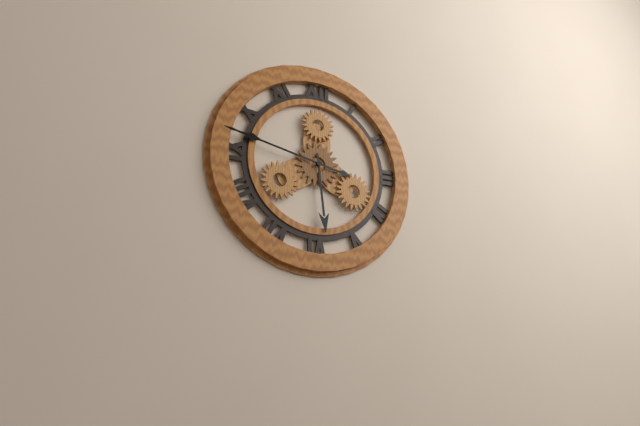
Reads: 5 h 47 min
